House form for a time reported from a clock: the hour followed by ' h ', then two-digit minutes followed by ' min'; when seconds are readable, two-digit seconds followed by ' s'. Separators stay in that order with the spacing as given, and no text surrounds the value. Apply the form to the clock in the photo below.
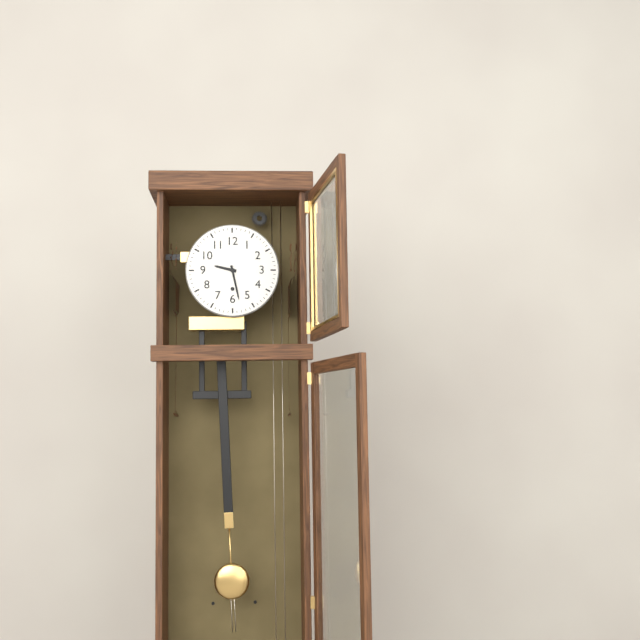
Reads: 9 h 28 min
